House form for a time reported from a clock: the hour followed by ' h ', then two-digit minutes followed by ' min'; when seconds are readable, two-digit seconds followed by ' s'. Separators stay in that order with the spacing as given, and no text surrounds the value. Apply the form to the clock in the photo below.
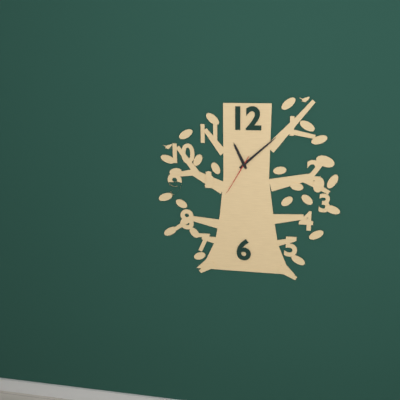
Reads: 11 h 08 min
